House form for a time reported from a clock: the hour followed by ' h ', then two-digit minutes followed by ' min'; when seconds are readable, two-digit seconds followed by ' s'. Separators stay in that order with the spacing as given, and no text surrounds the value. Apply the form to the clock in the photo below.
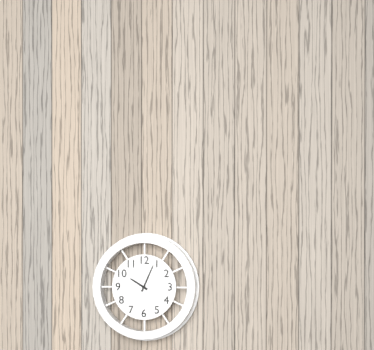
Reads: 10 h 04 min
